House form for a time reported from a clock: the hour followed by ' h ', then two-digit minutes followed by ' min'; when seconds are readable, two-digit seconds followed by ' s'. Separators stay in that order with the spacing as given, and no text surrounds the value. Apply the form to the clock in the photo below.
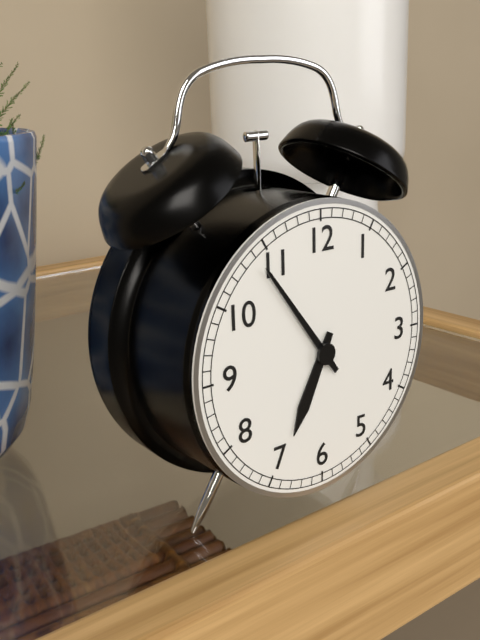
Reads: 6 h 54 min
